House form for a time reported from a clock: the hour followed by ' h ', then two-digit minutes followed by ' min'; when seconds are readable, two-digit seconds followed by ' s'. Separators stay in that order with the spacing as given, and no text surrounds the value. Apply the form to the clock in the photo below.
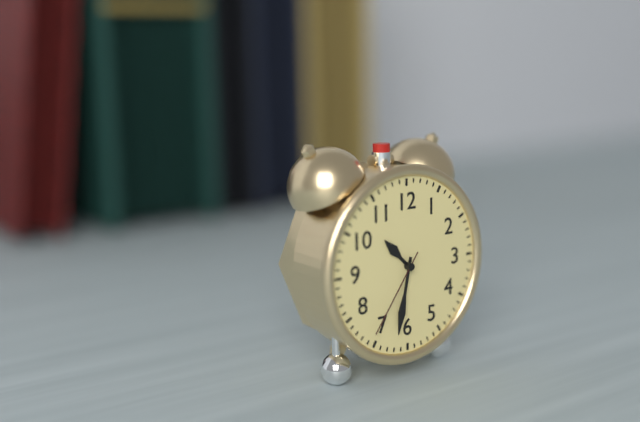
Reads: 10 h 32 min 36 s
